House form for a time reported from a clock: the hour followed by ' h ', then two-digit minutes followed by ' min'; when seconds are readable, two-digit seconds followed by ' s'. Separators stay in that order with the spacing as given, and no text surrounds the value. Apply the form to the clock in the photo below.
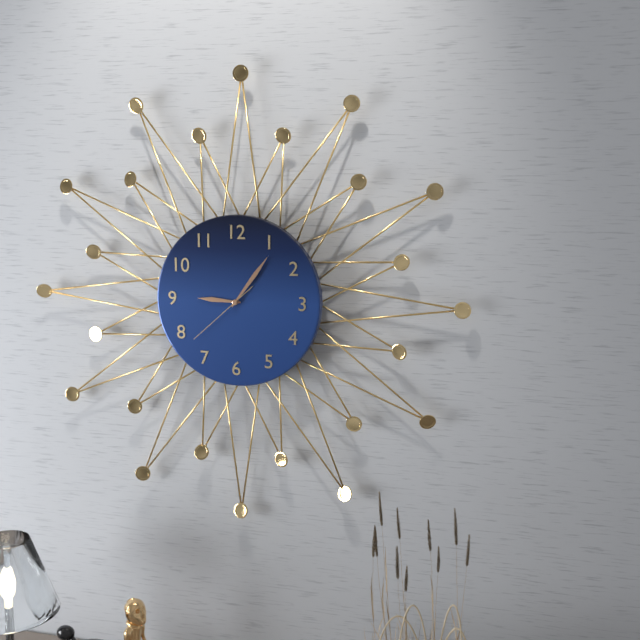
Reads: 9 h 06 min 38 s
